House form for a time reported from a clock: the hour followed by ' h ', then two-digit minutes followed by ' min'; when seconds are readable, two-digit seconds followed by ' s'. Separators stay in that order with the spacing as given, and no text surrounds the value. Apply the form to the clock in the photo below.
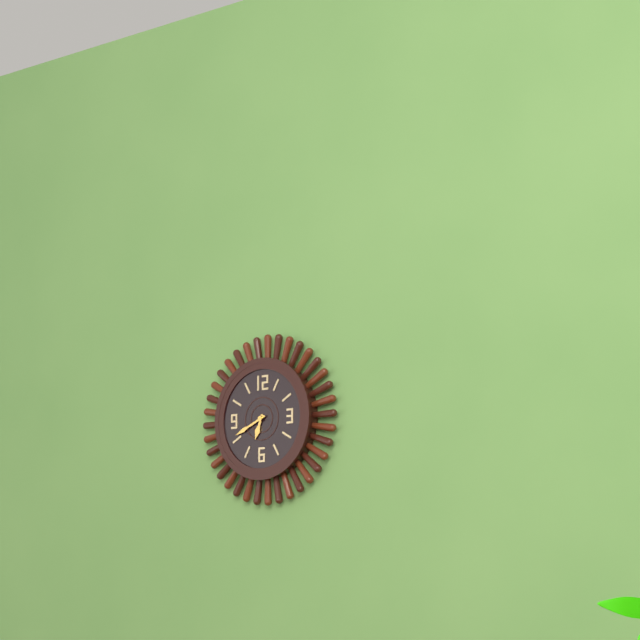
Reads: 6 h 41 min
